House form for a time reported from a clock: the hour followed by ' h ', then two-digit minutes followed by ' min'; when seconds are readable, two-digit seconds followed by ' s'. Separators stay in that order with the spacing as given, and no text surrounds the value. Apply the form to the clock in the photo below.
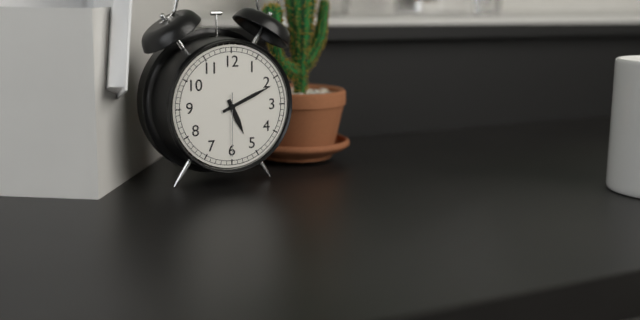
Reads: 5 h 11 min 30 s
